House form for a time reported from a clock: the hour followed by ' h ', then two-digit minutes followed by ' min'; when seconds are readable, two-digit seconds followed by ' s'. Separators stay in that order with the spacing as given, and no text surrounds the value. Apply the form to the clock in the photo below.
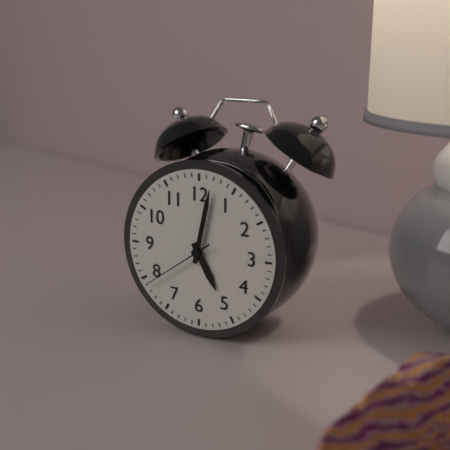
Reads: 5 h 02 min 39 s
